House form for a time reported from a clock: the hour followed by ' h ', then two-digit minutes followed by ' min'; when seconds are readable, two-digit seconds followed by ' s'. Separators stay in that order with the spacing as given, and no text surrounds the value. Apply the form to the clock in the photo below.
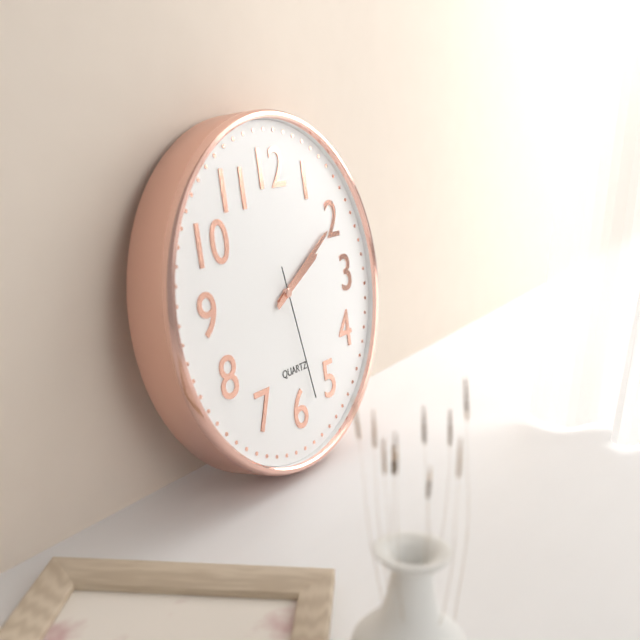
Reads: 2 h 10 min 28 s
